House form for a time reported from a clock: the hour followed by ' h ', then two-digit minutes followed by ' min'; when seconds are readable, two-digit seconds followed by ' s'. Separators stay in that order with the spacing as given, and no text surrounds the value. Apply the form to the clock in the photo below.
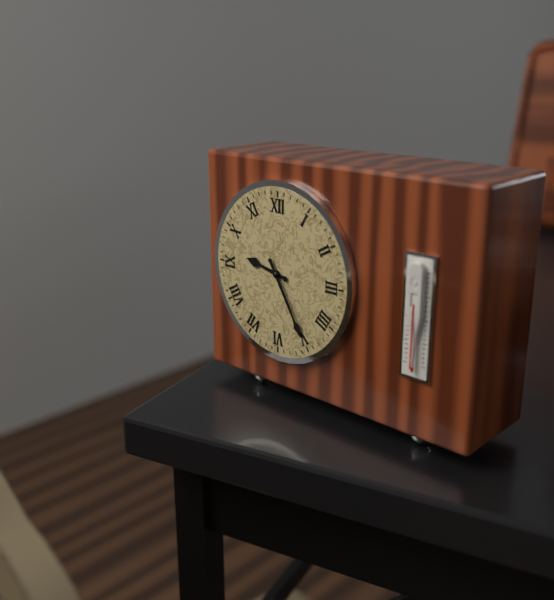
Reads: 9 h 25 min
